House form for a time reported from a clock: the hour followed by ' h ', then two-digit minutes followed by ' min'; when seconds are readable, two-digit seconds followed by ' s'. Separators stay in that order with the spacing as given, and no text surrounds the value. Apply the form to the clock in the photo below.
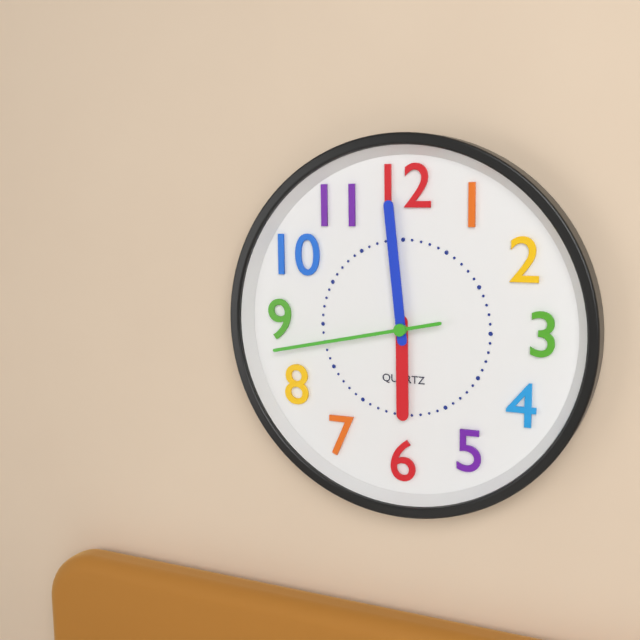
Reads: 5 h 59 min 43 s
